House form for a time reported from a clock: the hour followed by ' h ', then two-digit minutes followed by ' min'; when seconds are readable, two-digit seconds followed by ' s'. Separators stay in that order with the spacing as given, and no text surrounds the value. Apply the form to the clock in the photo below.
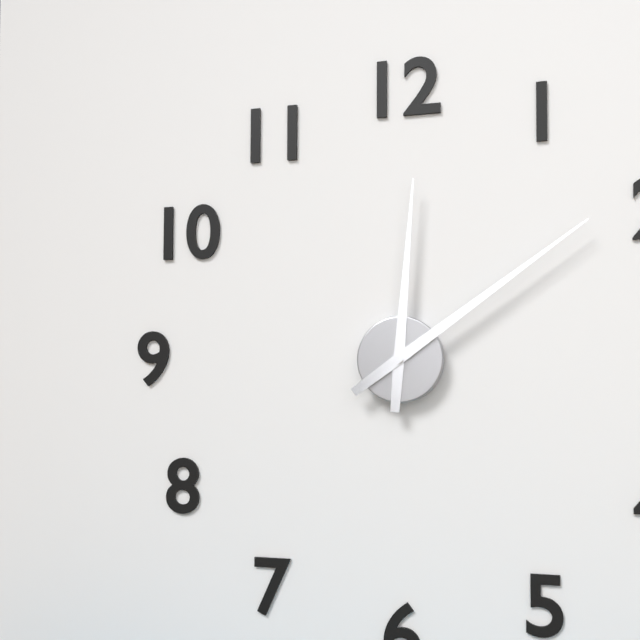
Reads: 12 h 09 min
